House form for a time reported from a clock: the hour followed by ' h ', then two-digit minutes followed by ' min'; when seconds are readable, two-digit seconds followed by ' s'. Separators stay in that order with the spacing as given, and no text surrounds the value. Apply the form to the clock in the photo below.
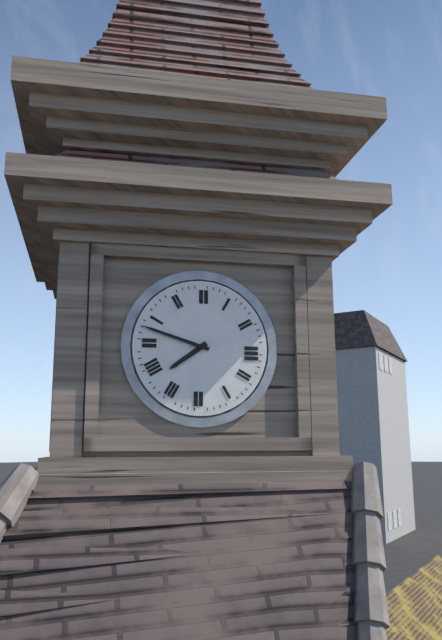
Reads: 7 h 48 min
